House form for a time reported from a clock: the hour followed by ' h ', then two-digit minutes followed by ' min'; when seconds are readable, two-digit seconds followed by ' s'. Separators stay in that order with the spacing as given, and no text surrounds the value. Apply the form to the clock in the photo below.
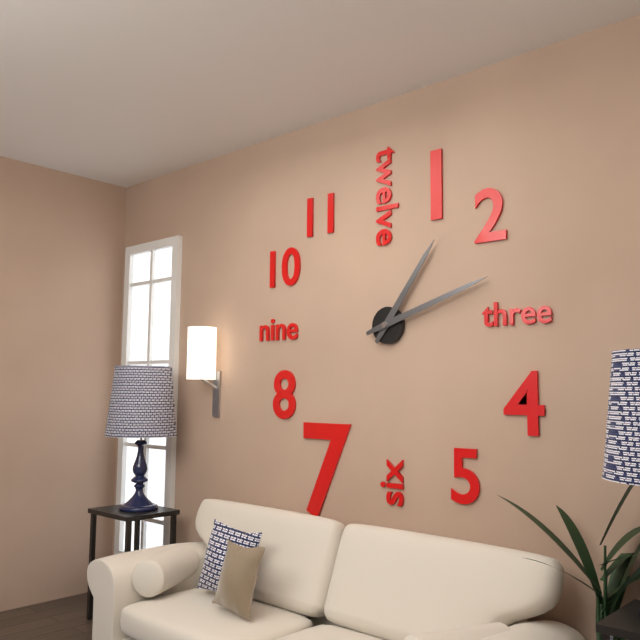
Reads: 1 h 12 min
